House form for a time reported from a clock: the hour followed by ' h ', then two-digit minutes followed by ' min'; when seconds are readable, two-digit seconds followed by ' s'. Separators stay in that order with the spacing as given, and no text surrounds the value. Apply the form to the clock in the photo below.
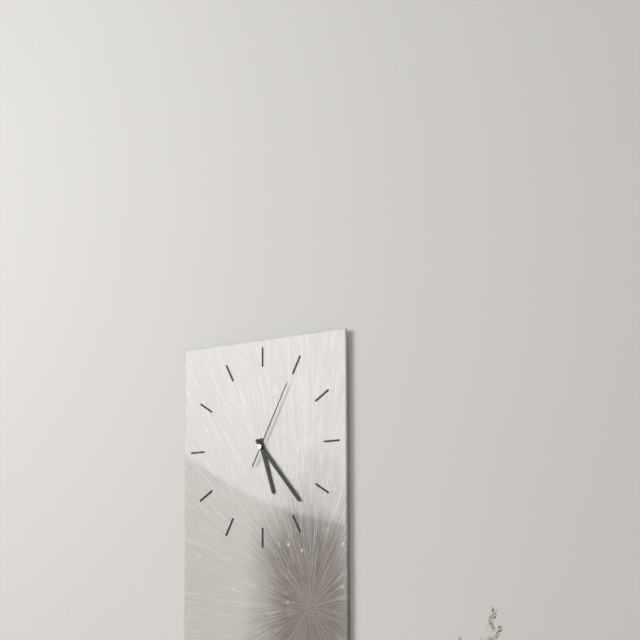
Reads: 5 h 23 min 05 s
